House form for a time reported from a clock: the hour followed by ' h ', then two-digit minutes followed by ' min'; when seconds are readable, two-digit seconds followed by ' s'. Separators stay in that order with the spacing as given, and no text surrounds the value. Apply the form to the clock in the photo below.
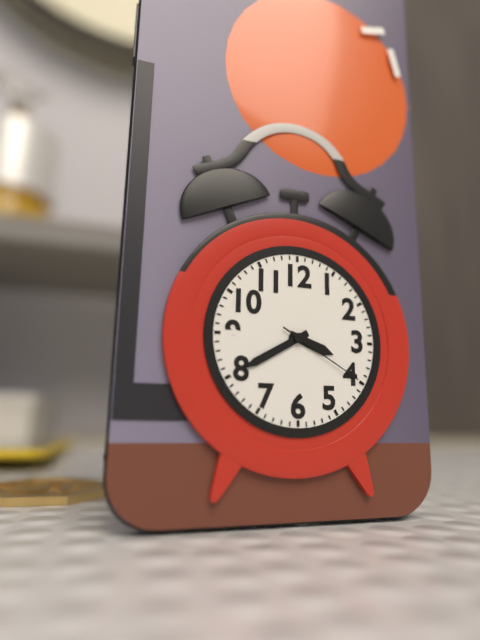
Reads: 3 h 40 min 20 s
